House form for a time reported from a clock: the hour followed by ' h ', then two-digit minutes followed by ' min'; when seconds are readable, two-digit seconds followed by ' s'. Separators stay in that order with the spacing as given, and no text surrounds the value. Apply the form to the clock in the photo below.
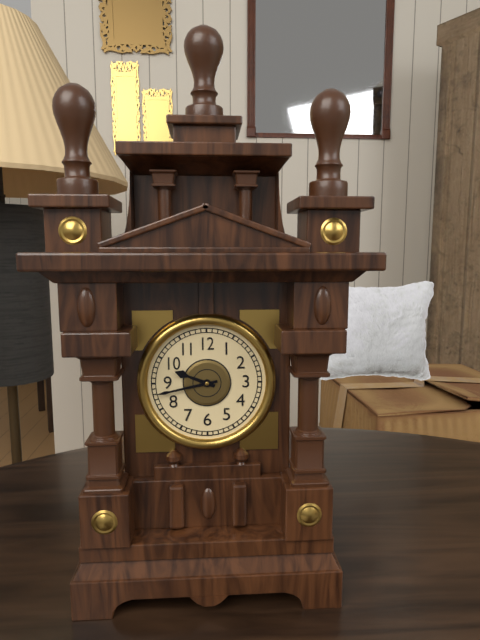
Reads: 9 h 43 min
